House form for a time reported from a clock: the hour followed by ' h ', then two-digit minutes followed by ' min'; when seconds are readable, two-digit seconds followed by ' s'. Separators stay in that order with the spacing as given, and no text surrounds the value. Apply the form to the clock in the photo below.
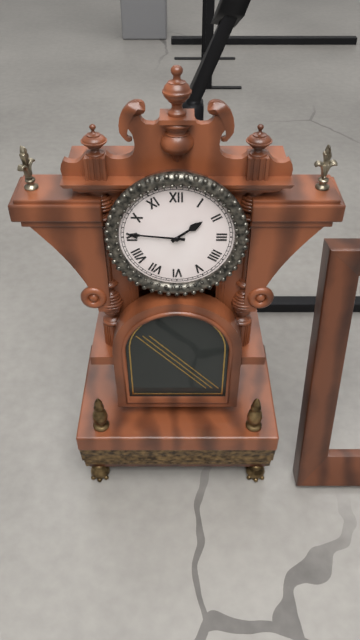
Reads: 1 h 46 min
